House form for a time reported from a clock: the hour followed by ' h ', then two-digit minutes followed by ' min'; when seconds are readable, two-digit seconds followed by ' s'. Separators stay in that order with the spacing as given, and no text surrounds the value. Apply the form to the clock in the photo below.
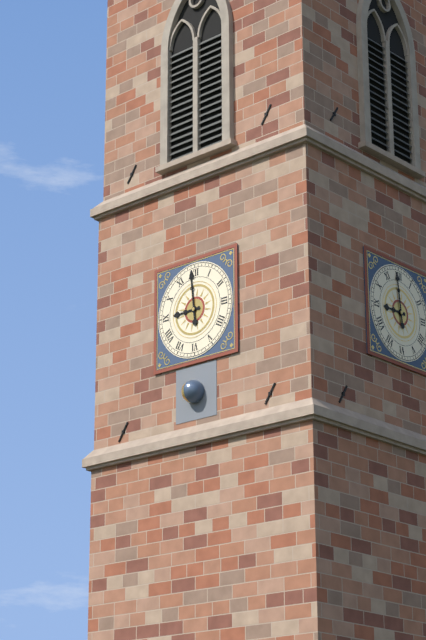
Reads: 8 h 59 min
